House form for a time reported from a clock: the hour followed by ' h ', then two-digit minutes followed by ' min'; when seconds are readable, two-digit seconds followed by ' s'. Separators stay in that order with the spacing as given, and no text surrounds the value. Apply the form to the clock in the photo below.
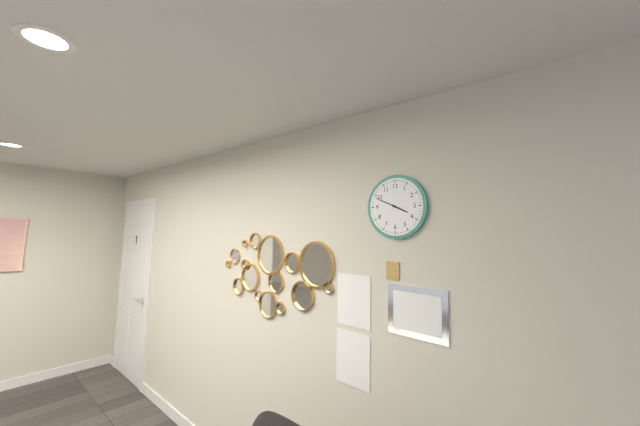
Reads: 3 h 49 min
